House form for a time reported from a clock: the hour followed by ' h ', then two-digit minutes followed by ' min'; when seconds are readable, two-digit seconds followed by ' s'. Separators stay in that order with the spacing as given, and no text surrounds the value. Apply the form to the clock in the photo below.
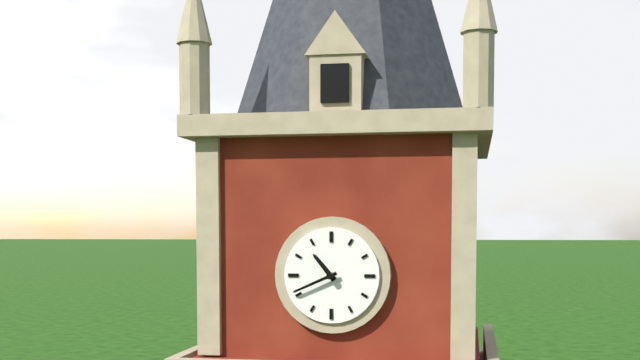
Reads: 10 h 41 min
